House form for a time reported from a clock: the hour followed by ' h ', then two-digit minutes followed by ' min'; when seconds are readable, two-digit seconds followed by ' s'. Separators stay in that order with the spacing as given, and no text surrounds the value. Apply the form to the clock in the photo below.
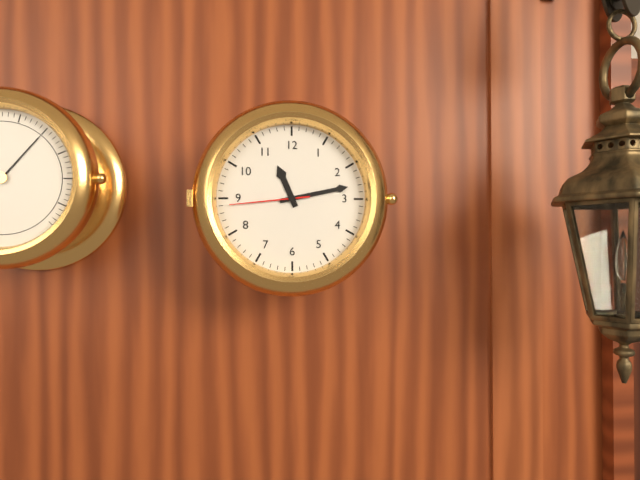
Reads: 11 h 13 min 44 s
